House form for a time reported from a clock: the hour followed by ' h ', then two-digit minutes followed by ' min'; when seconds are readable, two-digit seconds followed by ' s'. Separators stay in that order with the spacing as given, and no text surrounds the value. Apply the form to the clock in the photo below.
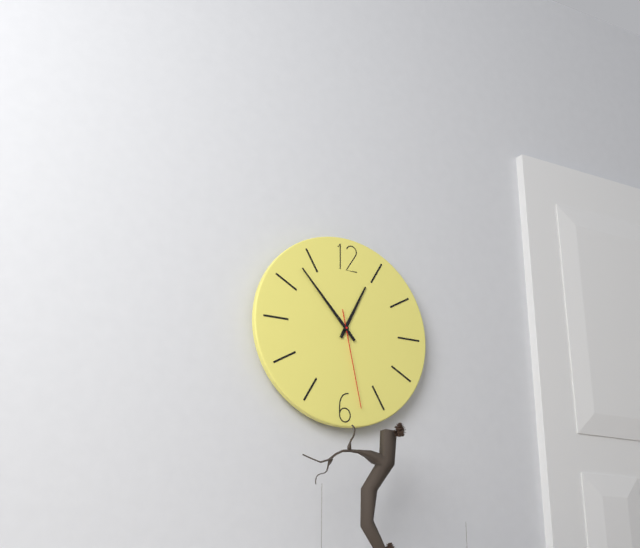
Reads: 12 h 53 min 28 s
